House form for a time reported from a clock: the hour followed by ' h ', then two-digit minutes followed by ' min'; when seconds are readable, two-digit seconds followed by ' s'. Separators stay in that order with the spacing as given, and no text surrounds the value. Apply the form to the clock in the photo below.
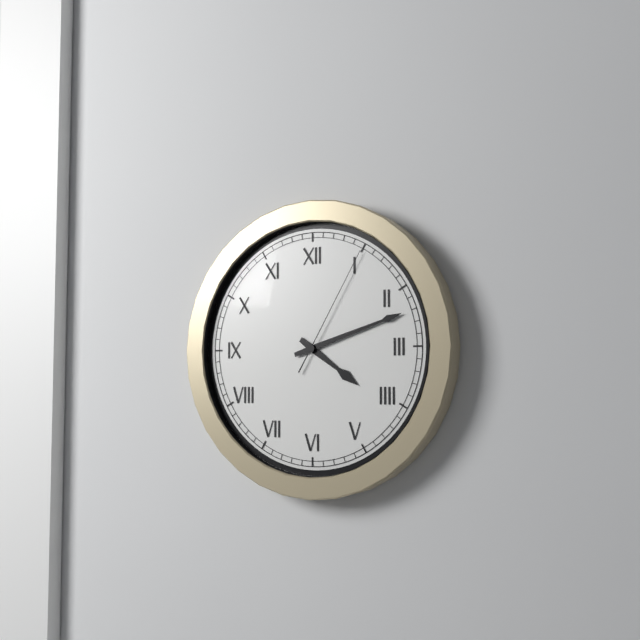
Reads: 4 h 12 min 05 s
